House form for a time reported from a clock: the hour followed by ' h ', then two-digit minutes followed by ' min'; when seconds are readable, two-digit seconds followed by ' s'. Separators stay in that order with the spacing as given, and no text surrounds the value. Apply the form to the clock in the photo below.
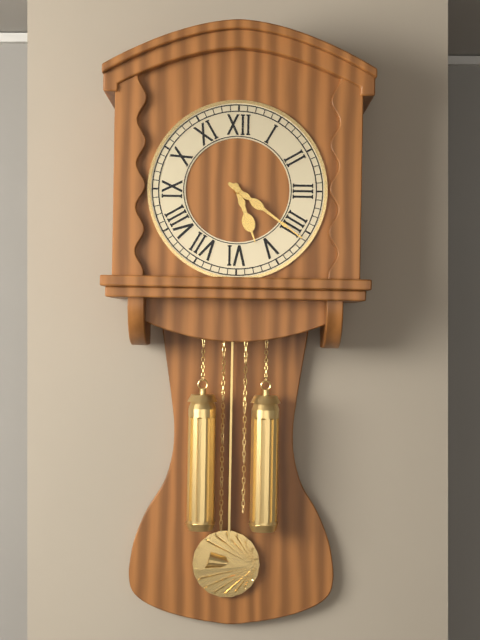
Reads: 5 h 21 min
